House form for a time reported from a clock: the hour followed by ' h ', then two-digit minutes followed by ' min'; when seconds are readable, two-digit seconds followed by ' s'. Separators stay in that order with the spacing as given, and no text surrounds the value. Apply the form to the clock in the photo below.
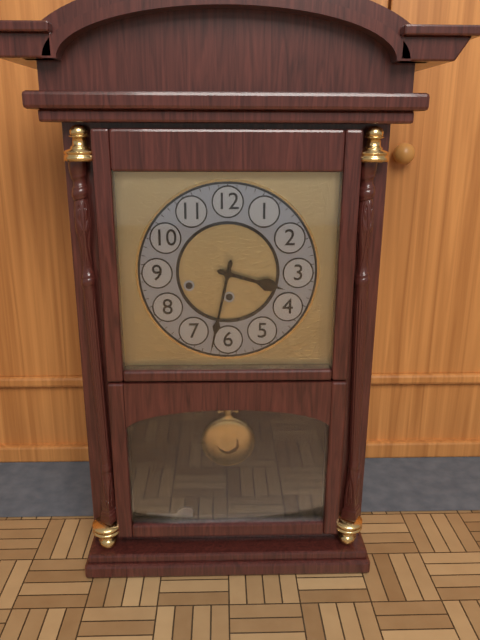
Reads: 3 h 32 min
